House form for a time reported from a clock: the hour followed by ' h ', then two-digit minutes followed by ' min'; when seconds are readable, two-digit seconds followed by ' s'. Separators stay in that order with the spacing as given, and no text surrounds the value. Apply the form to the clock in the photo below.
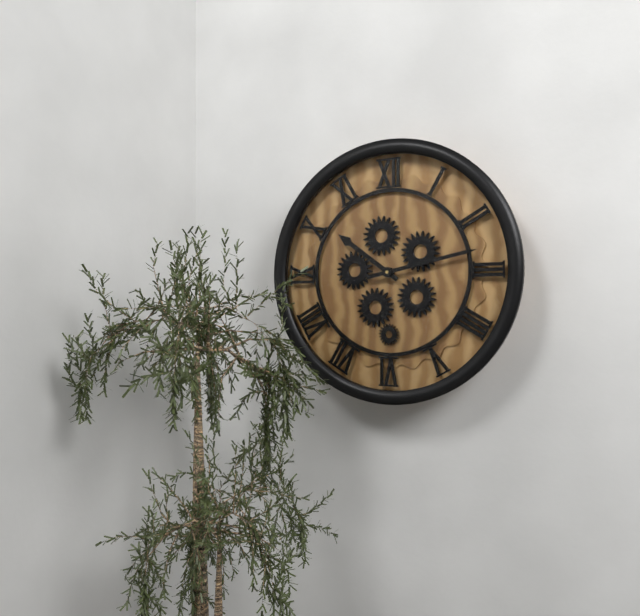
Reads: 10 h 13 min
